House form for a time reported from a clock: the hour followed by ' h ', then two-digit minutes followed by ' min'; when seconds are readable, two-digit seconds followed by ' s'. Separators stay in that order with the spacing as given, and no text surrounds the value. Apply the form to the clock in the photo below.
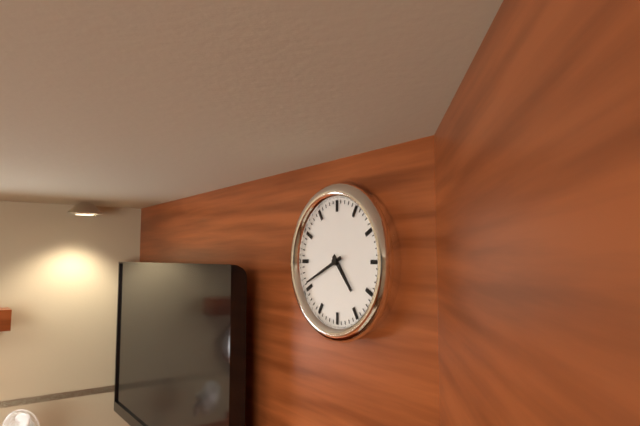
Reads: 4 h 41 min
